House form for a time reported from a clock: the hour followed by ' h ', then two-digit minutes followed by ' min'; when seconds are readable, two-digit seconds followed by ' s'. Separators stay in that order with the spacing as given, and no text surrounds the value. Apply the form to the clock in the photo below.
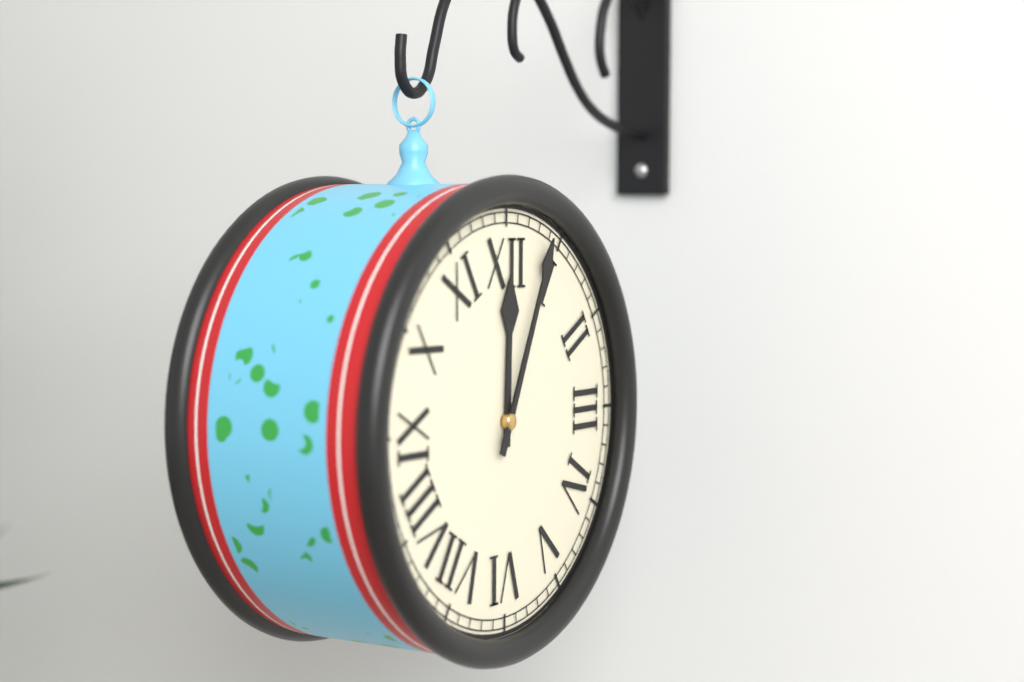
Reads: 12 h 04 min
